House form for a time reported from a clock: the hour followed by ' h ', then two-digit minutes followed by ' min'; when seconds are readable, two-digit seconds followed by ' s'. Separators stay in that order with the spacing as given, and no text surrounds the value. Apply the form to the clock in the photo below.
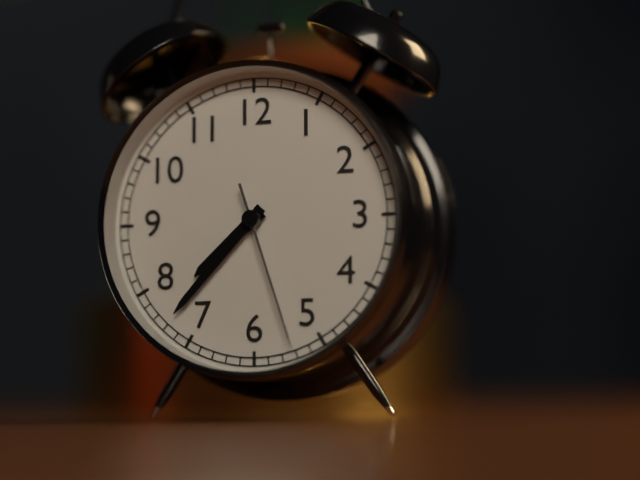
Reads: 7 h 37 min 27 s
